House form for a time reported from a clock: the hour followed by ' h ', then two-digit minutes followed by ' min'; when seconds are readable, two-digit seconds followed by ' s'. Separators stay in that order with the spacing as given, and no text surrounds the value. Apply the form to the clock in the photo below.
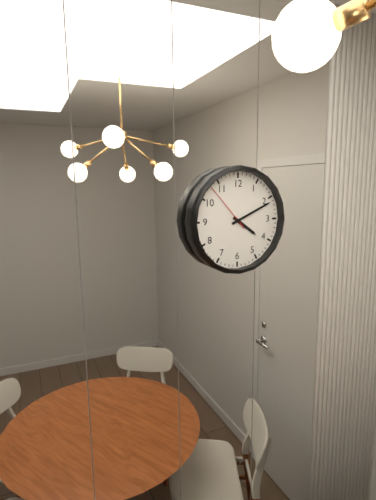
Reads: 4 h 11 min 53 s
